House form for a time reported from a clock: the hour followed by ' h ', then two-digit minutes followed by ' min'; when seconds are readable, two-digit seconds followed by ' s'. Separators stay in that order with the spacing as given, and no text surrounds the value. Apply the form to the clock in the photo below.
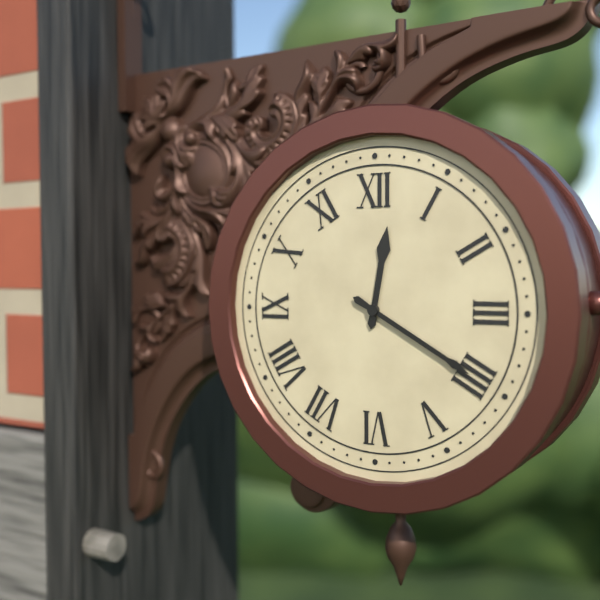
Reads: 12 h 20 min
